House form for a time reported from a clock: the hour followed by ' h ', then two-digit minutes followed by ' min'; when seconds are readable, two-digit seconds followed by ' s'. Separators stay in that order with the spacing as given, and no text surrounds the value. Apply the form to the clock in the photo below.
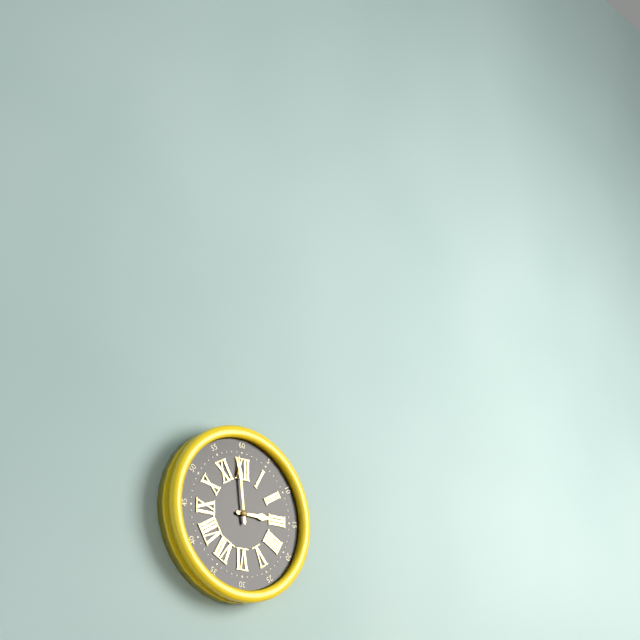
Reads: 2 h 59 min
